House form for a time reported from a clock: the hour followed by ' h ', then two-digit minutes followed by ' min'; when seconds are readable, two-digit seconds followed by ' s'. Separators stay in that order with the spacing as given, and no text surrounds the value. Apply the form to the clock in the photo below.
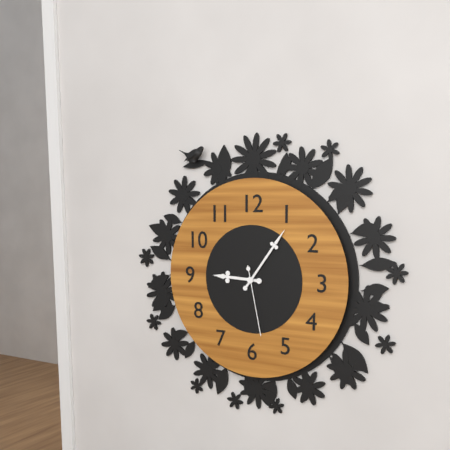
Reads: 9 h 06 min 28 s
